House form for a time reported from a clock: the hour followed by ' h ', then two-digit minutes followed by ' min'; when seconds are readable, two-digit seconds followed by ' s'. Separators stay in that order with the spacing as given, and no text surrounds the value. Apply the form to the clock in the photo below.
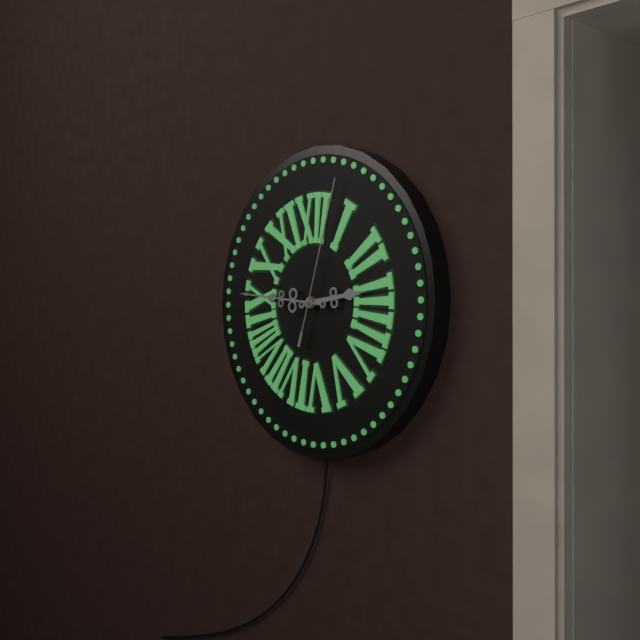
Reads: 2 h 46 min 03 s
